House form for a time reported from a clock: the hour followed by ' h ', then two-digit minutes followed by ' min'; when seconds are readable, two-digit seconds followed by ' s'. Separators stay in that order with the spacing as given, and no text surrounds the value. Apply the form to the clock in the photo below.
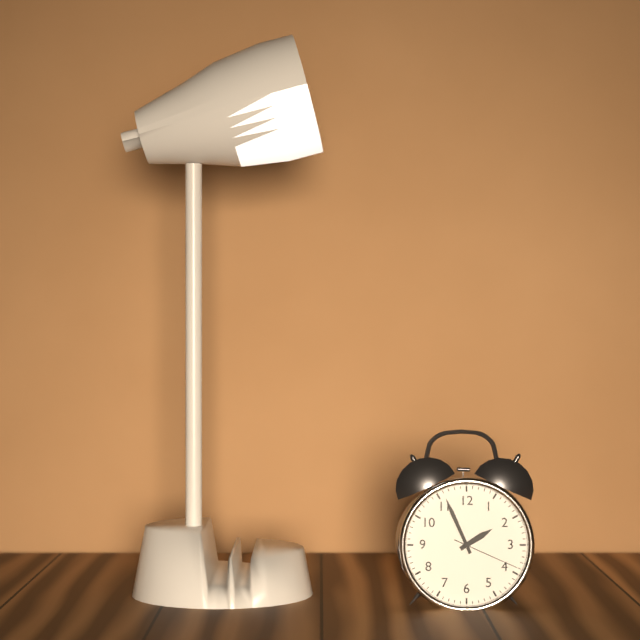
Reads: 1 h 56 min 19 s
